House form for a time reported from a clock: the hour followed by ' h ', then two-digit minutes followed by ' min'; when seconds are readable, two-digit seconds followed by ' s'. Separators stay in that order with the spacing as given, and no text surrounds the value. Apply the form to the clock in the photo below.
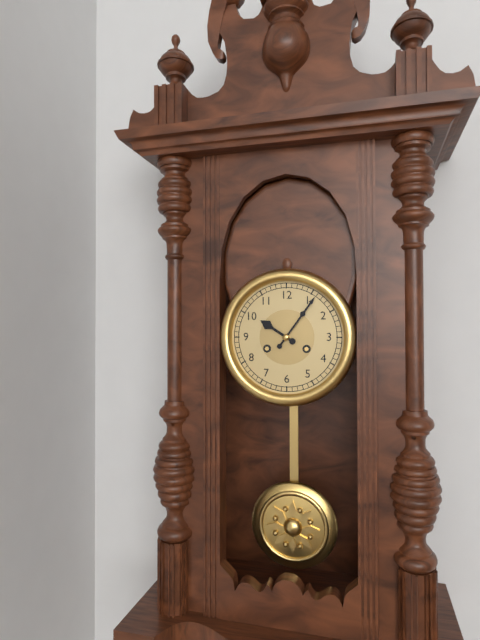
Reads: 10 h 06 min
